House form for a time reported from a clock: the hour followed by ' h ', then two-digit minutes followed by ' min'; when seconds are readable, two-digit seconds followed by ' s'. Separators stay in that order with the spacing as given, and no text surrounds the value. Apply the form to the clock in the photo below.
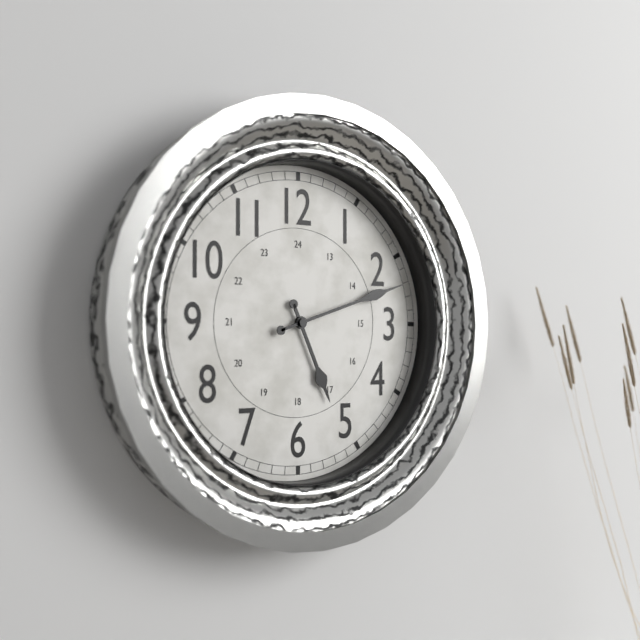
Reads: 5 h 12 min
